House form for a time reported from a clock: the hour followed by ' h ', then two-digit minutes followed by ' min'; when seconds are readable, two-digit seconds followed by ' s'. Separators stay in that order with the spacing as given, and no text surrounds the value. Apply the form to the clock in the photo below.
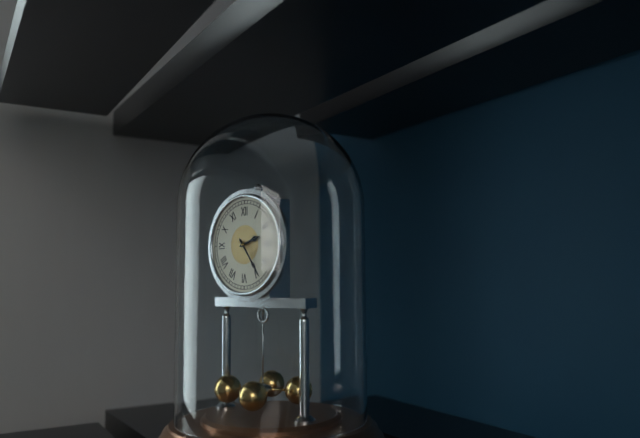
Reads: 2 h 24 min
